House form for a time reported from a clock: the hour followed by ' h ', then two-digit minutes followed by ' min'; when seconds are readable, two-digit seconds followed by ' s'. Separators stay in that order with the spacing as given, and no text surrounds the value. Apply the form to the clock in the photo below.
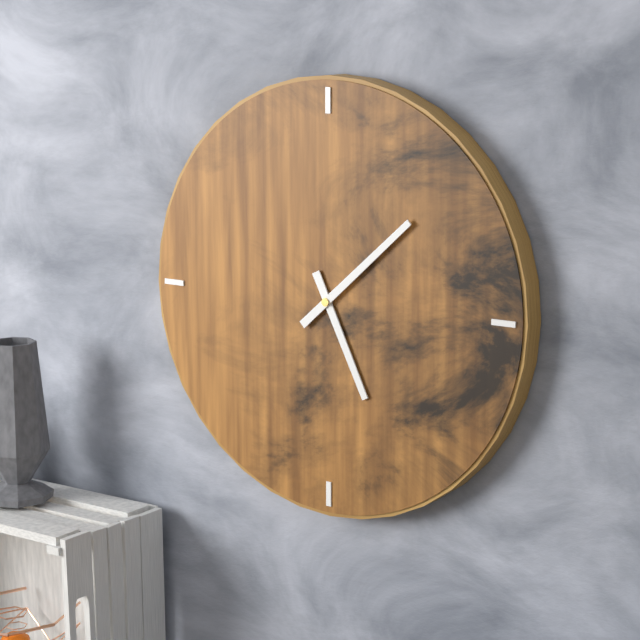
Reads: 5 h 08 min
